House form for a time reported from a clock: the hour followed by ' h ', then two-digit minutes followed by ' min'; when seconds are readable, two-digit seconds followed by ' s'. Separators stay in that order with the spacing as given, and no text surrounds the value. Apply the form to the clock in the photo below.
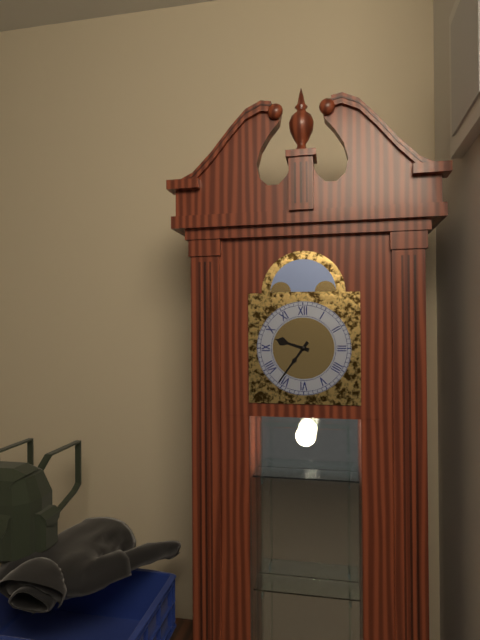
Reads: 9 h 36 min
